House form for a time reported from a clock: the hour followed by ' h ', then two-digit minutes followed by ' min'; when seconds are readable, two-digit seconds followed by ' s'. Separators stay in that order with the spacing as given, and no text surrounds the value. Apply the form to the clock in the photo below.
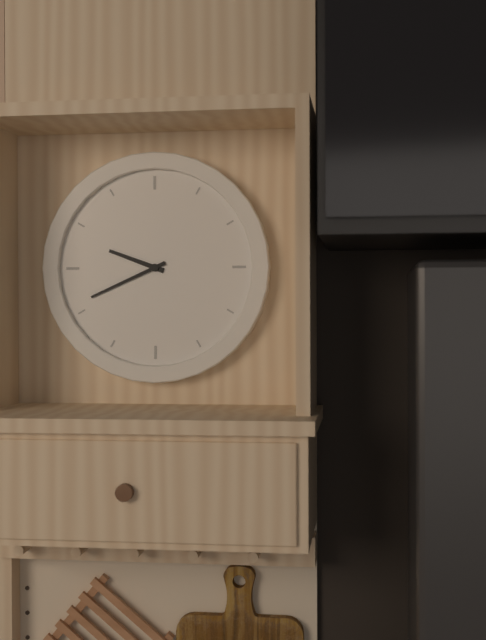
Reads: 9 h 41 min
